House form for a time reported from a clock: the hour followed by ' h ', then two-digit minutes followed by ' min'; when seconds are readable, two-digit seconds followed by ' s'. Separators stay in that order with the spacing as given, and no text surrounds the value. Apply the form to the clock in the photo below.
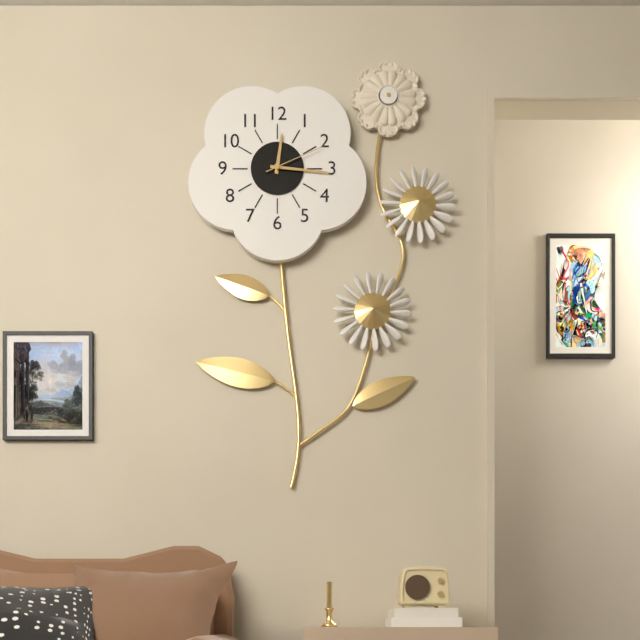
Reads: 12 h 16 min 11 s
